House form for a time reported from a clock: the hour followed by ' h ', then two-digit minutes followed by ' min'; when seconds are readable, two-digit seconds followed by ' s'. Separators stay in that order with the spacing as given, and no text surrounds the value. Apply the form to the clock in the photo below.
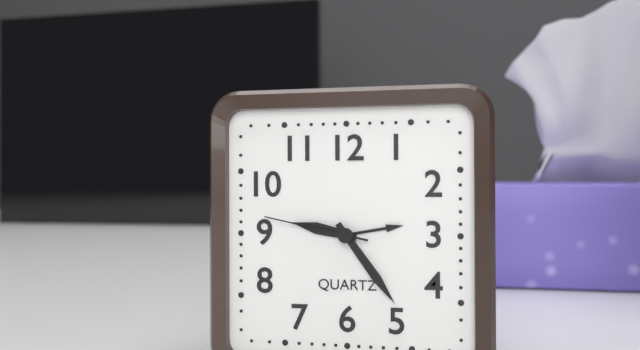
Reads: 9 h 24 min 47 s
